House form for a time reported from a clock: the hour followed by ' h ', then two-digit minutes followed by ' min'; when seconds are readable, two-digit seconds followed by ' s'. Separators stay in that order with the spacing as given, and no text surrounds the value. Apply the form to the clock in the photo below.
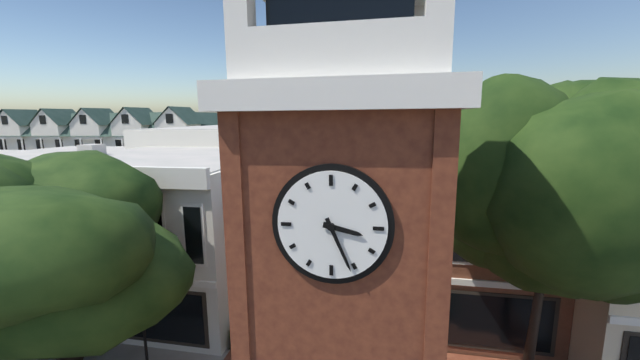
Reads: 3 h 26 min
